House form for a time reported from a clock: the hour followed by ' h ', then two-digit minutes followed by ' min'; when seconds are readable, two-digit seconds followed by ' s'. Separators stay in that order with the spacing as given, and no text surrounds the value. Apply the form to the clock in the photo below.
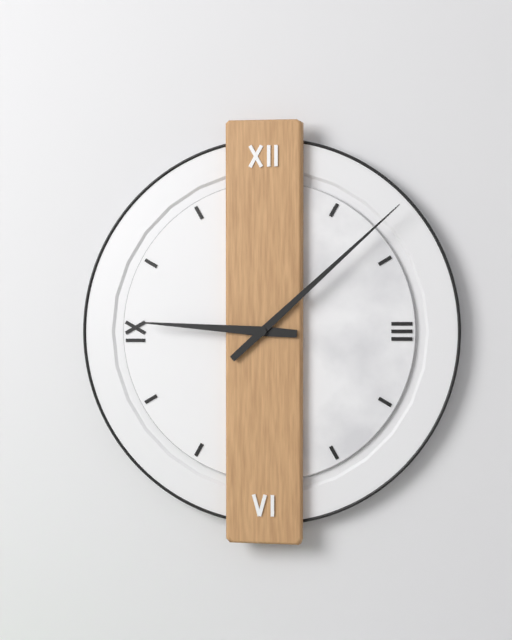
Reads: 9 h 08 min
